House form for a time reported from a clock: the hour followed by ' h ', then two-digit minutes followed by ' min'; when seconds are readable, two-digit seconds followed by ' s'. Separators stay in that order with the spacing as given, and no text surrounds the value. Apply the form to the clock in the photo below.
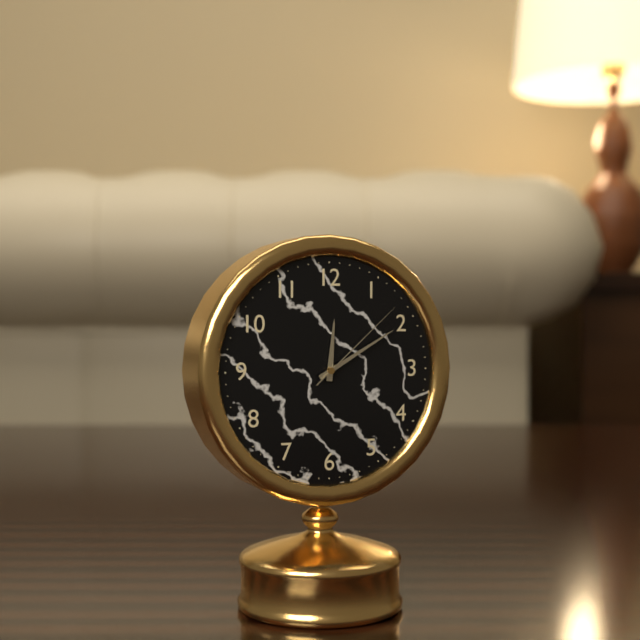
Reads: 12 h 10 min 08 s
